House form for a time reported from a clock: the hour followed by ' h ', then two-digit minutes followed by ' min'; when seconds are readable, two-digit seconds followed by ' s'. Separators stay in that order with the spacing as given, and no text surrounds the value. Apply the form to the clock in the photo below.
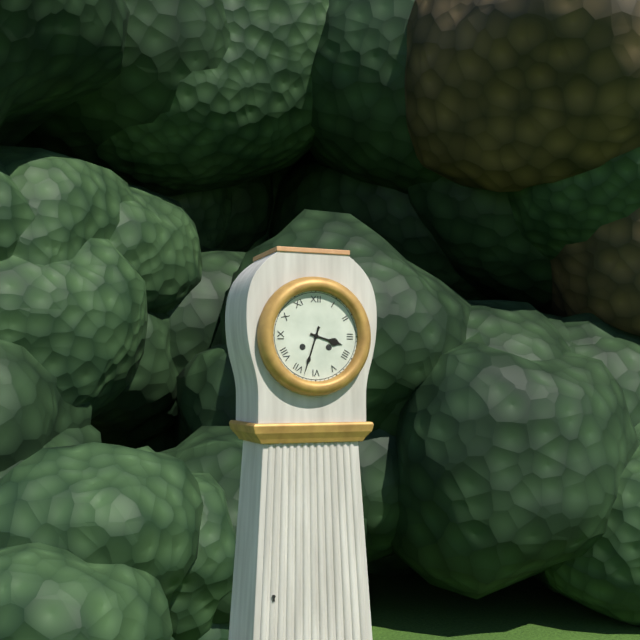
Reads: 3 h 33 min
